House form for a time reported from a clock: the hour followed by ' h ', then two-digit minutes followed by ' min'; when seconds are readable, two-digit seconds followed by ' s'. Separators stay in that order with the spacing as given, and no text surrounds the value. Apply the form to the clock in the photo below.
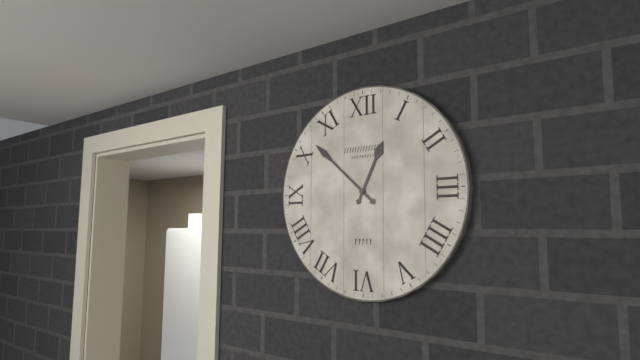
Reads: 12 h 52 min
